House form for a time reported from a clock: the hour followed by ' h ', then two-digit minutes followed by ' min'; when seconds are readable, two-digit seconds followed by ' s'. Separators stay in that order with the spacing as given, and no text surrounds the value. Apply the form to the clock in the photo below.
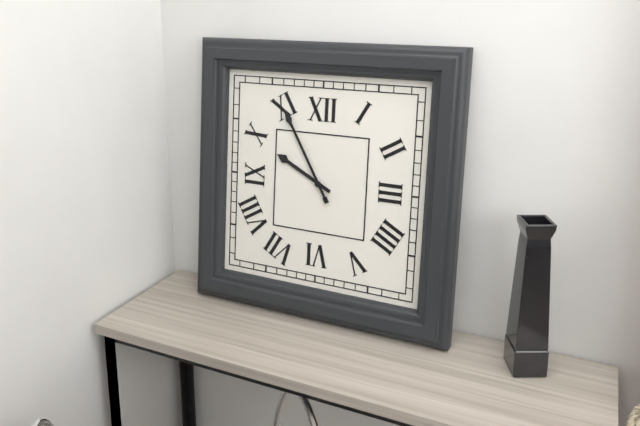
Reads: 9 h 55 min
